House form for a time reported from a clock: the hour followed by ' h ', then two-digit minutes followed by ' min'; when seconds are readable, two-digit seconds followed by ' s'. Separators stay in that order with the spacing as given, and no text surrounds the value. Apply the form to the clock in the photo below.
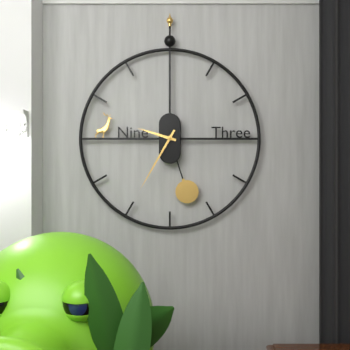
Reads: 9 h 35 min
